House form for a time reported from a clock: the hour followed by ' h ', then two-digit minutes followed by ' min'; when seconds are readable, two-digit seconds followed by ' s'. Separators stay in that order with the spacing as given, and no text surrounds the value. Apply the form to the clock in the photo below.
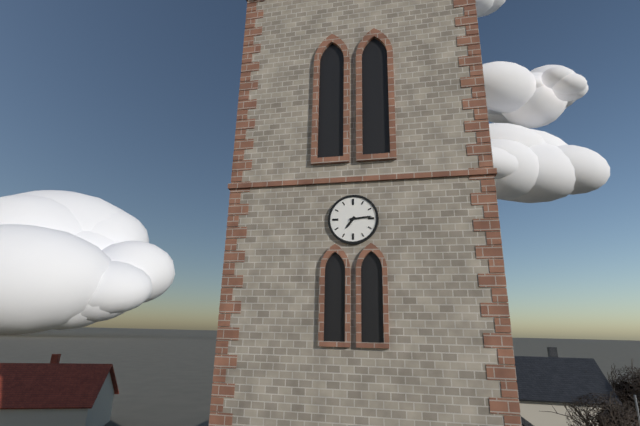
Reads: 7 h 14 min
